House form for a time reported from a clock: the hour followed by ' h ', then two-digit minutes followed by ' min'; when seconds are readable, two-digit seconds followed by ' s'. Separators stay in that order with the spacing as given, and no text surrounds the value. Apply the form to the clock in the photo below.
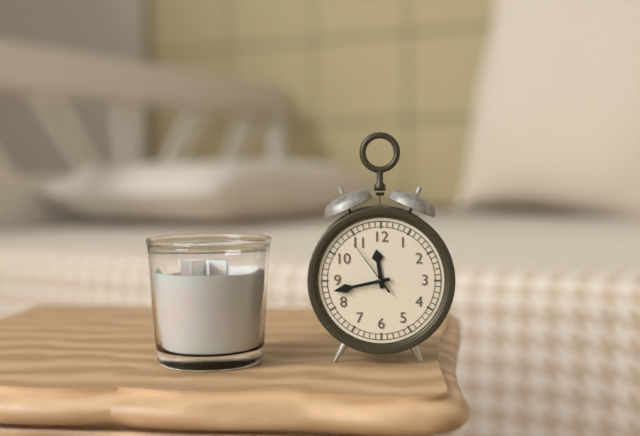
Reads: 11 h 43 min 54 s
